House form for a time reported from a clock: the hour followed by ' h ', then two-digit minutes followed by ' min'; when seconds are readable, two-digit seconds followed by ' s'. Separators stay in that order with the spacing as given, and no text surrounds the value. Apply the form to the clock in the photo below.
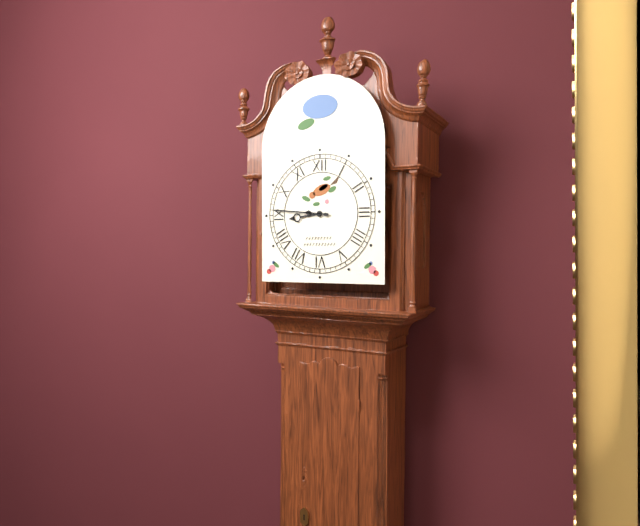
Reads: 8 h 46 min
